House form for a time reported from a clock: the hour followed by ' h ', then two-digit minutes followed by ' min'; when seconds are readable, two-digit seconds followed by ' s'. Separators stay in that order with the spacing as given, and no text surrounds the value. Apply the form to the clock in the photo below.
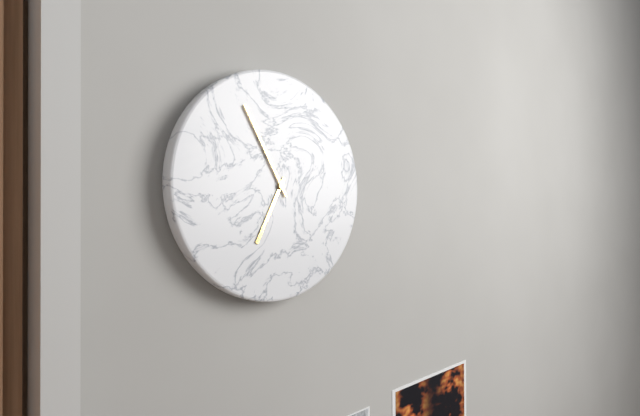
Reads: 6 h 55 min
